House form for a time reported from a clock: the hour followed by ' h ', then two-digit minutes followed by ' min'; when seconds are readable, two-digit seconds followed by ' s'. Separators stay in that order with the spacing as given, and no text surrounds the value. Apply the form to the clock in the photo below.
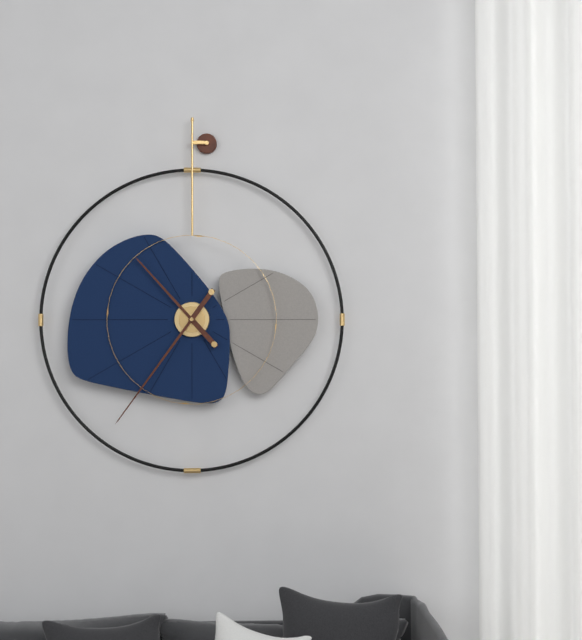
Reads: 10 h 36 min
